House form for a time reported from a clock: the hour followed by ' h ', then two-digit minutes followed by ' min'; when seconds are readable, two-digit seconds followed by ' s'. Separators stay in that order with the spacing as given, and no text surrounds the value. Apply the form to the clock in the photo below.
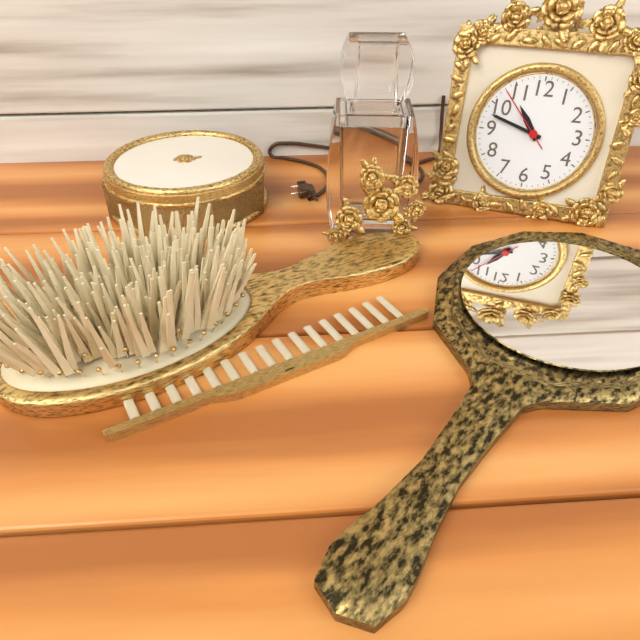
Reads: 10 h 48 min 53 s
